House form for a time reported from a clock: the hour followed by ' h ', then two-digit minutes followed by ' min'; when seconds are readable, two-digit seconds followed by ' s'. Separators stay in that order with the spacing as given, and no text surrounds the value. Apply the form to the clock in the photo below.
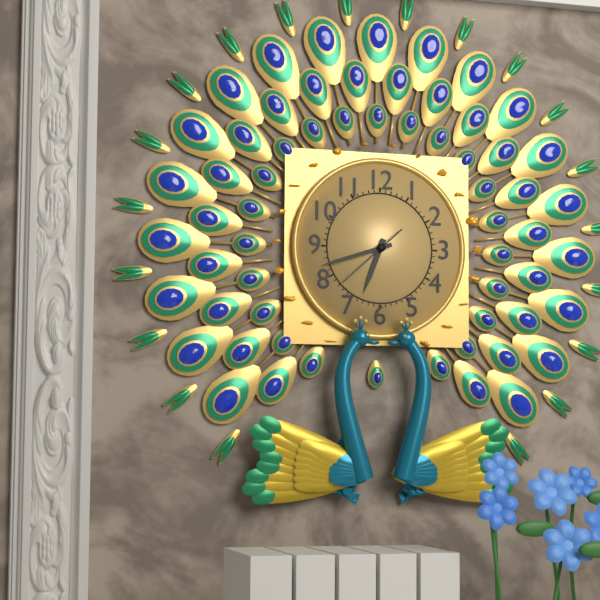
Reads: 6 h 42 min 38 s
